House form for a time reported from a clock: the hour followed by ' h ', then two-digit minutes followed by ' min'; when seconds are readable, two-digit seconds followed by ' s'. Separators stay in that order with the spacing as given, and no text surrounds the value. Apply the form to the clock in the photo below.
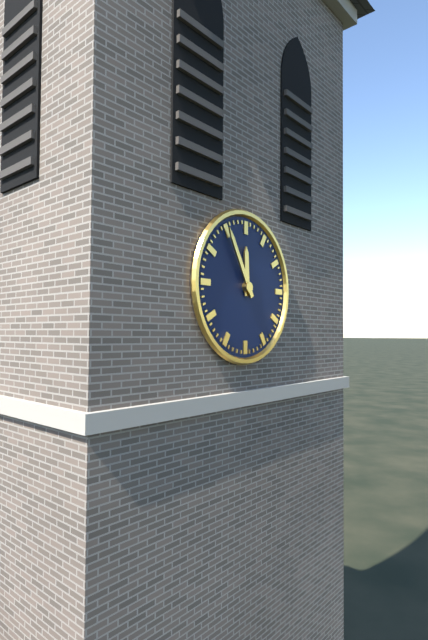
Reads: 11 h 55 min
